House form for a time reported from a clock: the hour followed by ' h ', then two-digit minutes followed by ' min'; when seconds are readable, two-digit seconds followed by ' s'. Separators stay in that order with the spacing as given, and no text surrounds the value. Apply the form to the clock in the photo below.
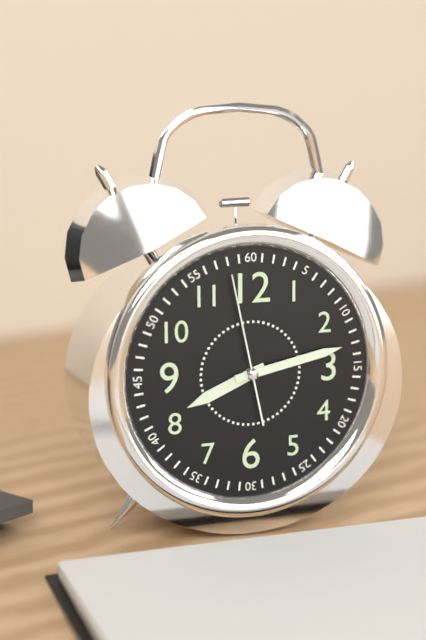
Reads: 8 h 13 min 58 s
